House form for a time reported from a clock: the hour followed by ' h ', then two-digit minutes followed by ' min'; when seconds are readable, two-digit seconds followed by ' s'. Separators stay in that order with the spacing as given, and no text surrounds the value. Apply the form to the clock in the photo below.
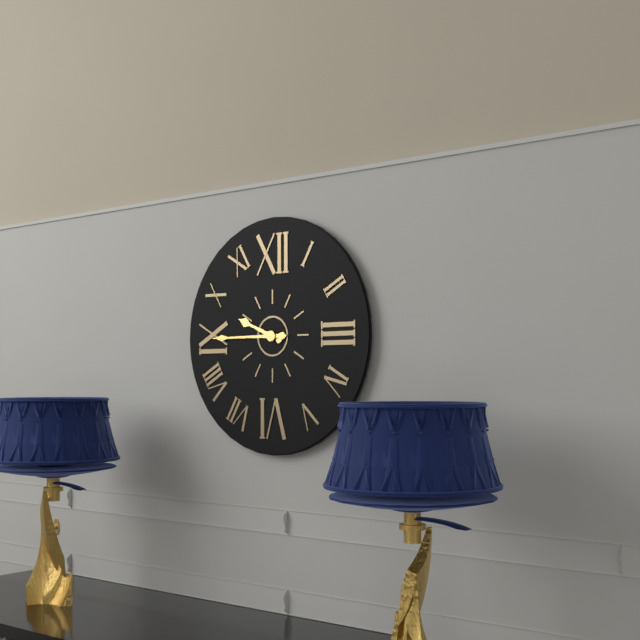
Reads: 9 h 45 min
